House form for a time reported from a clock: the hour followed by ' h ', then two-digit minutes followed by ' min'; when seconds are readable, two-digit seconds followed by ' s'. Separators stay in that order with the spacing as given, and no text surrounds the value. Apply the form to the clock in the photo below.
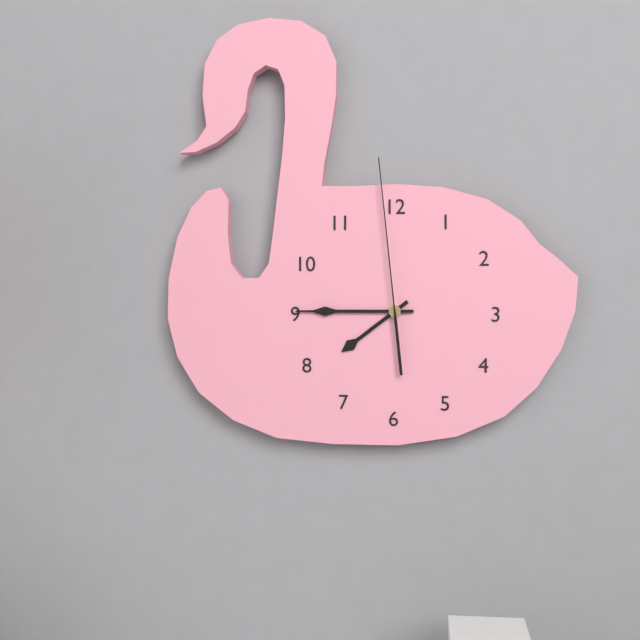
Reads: 7 h 45 min 59 s
